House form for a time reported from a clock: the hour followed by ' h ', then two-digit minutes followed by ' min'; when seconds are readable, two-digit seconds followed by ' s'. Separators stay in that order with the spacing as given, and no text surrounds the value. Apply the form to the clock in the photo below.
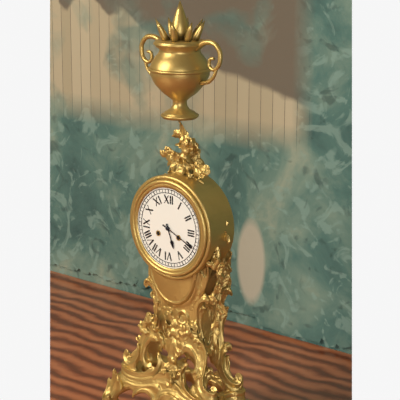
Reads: 5 h 19 min
